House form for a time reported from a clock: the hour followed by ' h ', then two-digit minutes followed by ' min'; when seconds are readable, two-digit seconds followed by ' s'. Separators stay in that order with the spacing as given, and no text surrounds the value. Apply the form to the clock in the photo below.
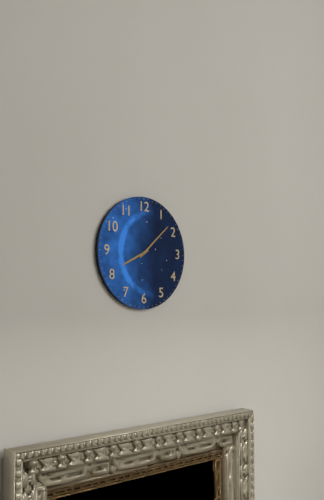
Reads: 8 h 08 min
